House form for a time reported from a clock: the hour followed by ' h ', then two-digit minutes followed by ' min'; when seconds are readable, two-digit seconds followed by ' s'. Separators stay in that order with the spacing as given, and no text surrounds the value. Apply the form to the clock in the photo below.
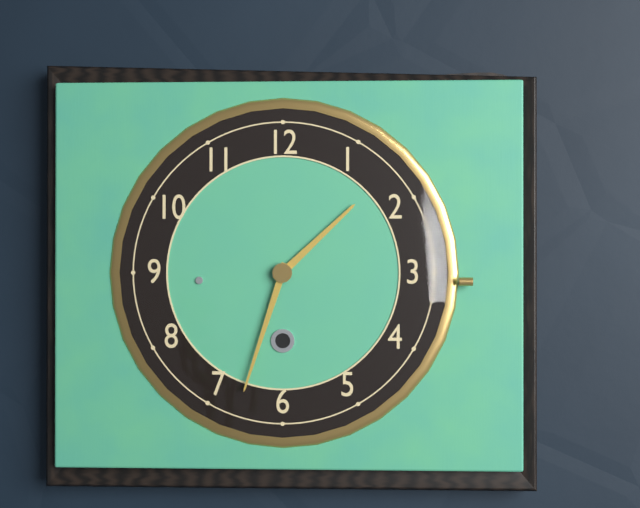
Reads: 1 h 33 min
